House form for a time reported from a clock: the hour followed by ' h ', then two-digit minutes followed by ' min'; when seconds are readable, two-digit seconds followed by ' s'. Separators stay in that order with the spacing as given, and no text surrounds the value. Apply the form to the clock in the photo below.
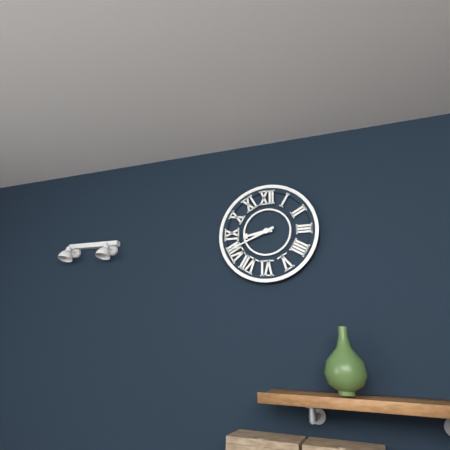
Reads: 8 h 41 min
